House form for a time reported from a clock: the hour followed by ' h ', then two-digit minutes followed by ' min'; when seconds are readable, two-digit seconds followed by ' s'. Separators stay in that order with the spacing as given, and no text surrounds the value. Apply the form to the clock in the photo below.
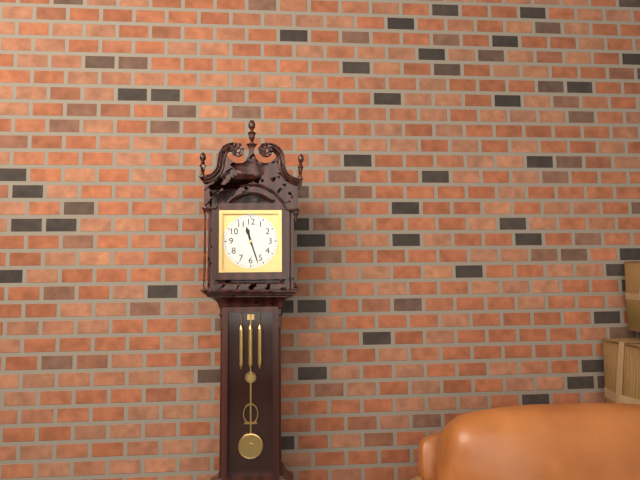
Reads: 11 h 27 min
